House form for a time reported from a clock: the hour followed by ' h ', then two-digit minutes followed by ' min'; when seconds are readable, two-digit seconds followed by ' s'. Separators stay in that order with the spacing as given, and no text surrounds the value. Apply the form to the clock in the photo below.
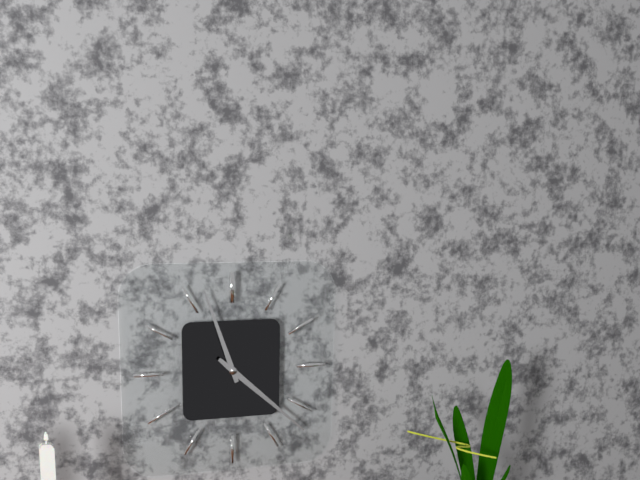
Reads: 11 h 22 min
